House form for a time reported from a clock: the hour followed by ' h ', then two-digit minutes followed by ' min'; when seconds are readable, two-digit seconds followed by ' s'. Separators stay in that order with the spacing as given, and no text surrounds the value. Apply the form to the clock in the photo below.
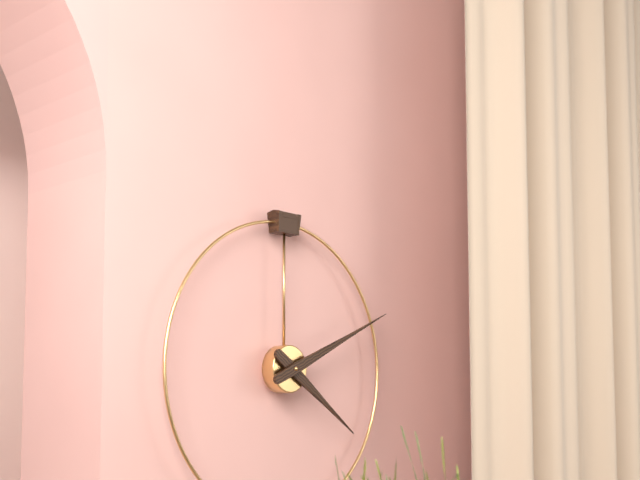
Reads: 4 h 11 min
